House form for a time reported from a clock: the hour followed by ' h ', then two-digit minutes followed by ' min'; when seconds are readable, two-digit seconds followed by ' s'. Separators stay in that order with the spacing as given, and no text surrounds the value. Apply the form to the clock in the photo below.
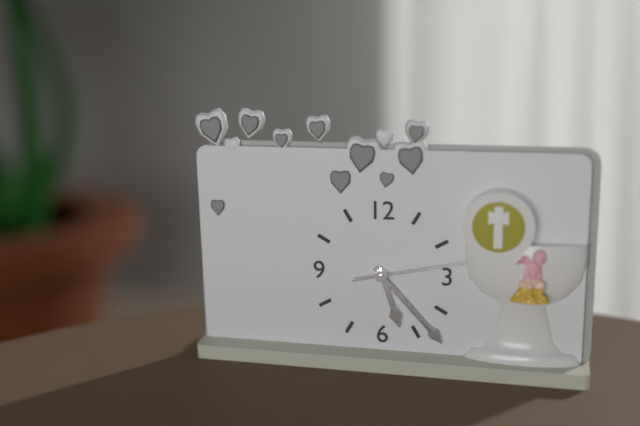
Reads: 5 h 23 min 13 s
